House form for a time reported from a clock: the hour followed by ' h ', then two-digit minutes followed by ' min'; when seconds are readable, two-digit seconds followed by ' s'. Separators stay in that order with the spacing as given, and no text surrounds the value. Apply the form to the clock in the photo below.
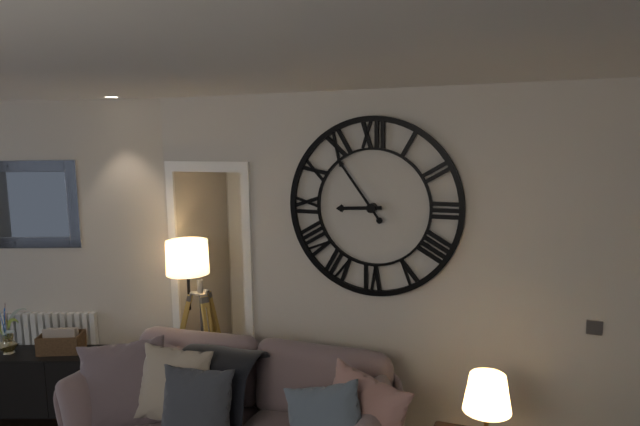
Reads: 8 h 54 min
